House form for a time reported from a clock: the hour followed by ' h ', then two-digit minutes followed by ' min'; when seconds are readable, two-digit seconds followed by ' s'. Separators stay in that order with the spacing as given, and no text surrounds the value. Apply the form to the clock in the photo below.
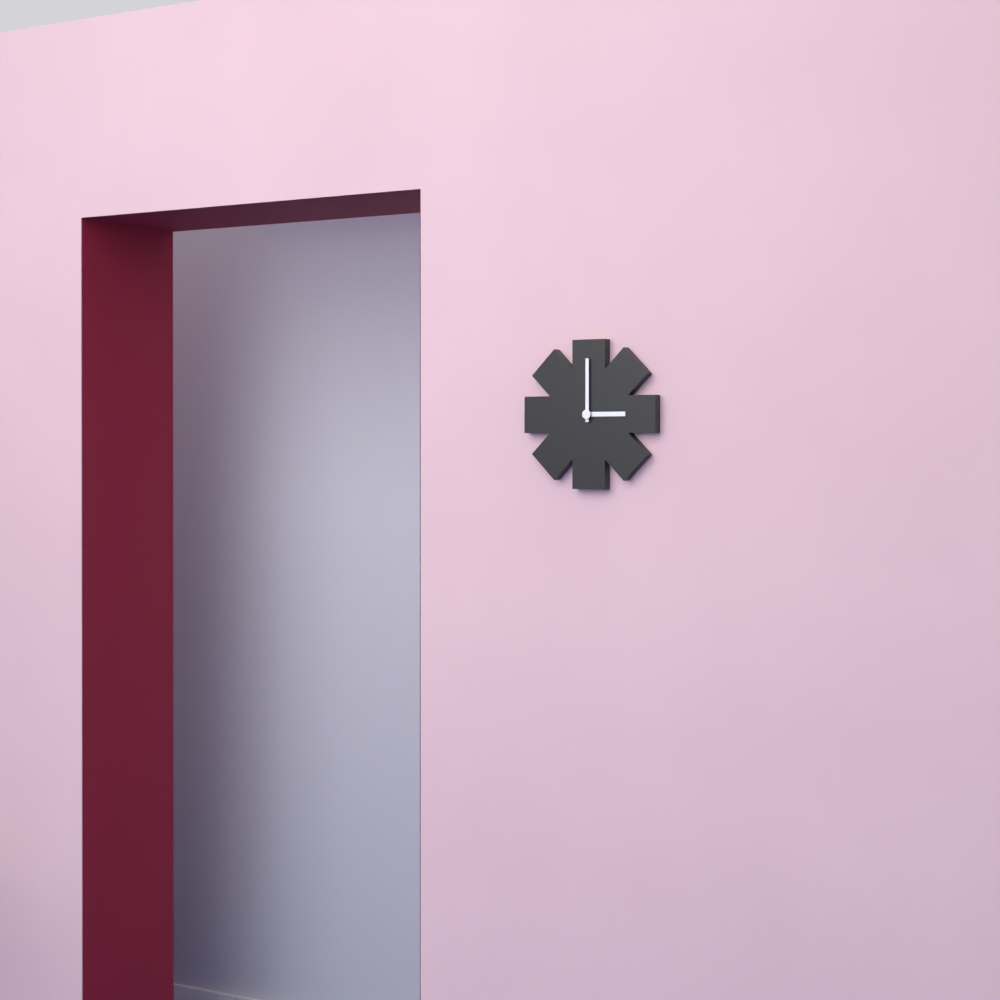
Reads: 3 h 00 min
